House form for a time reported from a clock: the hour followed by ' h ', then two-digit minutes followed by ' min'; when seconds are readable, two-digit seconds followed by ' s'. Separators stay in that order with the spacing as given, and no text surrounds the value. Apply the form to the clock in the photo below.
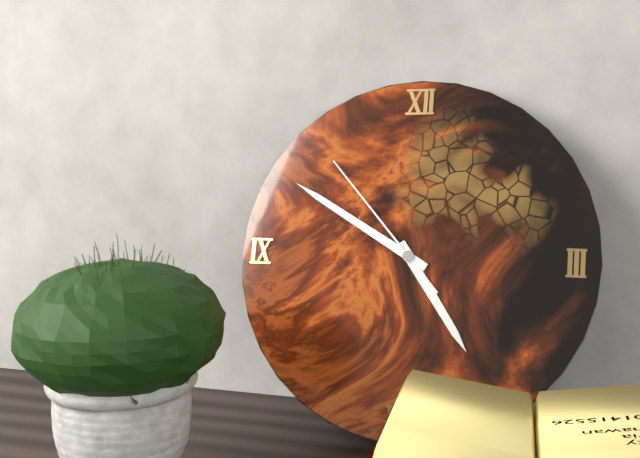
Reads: 4 h 50 min 53 s
